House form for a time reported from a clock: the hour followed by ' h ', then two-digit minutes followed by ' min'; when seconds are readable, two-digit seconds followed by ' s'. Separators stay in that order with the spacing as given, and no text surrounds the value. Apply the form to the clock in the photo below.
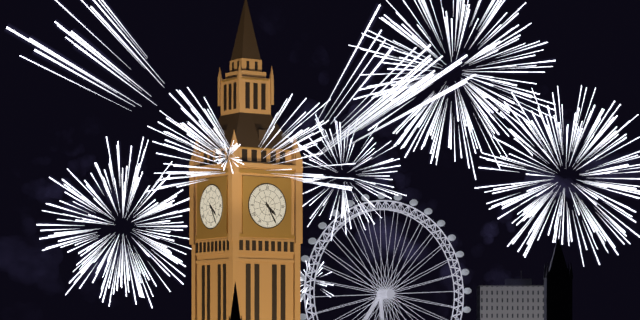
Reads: 4 h 25 min
